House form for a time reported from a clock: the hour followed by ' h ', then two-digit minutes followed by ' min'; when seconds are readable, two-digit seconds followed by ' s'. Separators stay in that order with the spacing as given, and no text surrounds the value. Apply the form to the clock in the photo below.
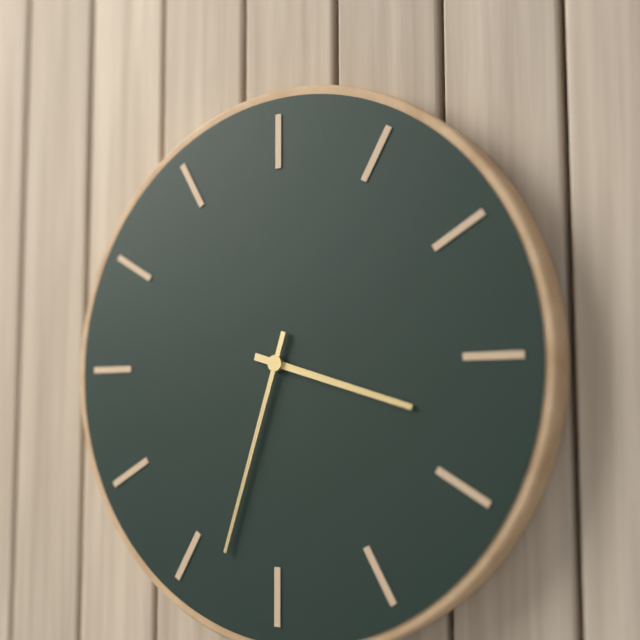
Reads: 3 h 33 min
